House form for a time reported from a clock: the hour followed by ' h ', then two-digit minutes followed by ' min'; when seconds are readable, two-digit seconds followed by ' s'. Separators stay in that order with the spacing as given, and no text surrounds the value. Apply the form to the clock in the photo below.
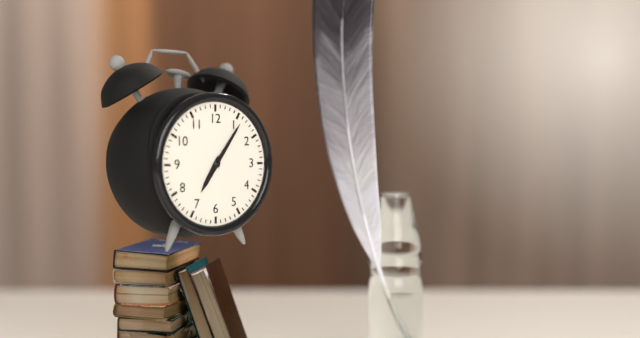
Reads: 7 h 06 min
